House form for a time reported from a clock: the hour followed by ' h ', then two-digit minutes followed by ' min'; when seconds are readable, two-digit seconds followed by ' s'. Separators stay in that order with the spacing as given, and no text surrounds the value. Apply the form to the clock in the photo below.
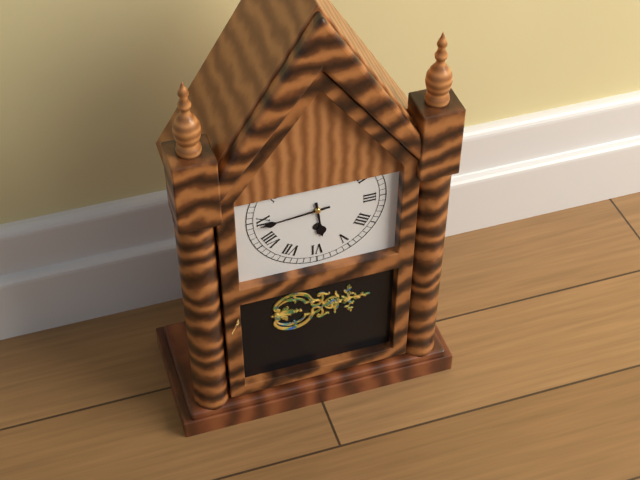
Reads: 5 h 44 min
